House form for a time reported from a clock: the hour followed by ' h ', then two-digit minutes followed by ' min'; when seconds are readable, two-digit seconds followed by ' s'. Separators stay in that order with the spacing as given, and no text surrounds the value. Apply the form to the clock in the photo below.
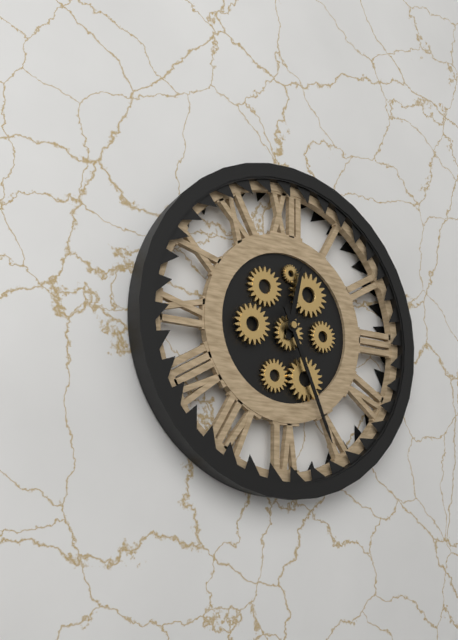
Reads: 12 h 26 min
